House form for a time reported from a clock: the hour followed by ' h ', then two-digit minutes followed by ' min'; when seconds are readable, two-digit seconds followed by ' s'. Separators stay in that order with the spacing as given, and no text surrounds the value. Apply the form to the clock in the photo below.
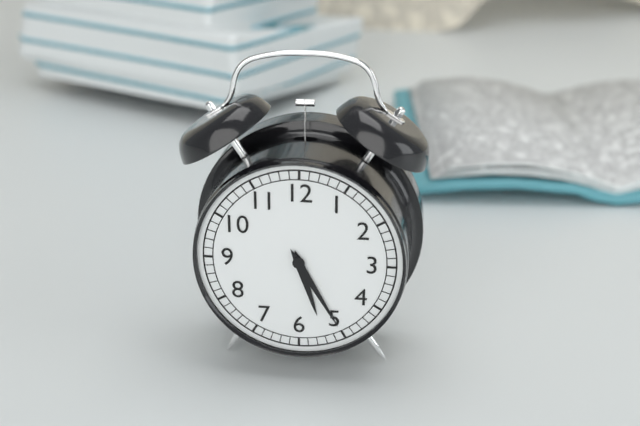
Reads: 5 h 25 min
